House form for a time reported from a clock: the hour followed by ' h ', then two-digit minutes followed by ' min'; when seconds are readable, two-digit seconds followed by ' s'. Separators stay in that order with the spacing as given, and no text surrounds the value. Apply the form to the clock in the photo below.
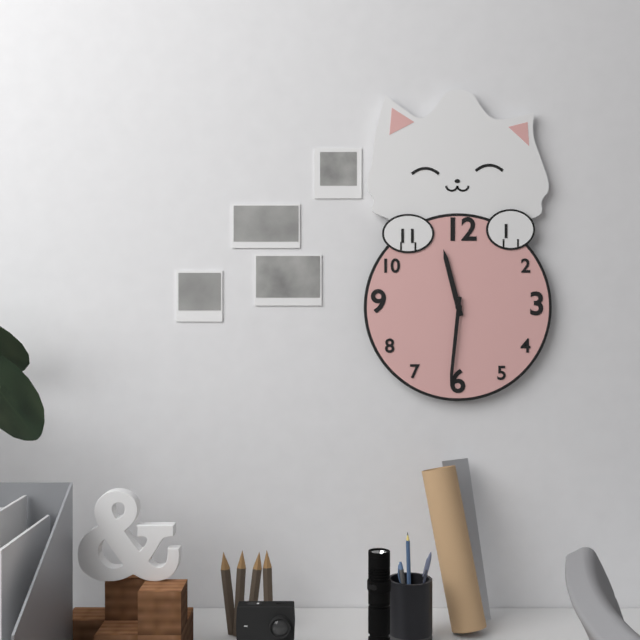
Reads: 11 h 31 min
